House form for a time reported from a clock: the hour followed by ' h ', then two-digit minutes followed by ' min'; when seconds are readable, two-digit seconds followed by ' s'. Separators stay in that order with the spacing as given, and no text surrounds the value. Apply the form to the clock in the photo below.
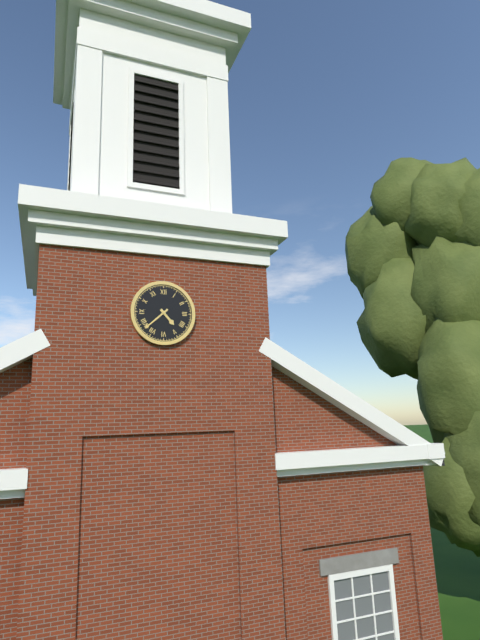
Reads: 4 h 38 min
